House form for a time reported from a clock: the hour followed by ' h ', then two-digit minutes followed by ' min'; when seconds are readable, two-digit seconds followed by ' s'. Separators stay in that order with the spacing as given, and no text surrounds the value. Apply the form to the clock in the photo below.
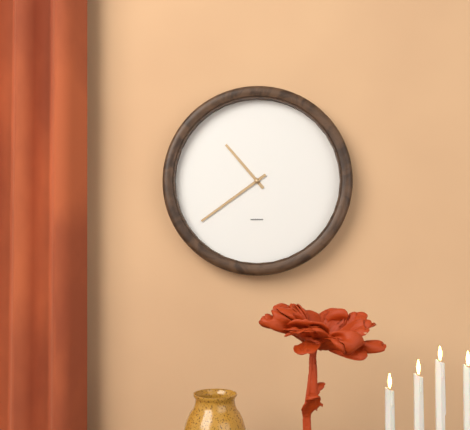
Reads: 10 h 39 min
